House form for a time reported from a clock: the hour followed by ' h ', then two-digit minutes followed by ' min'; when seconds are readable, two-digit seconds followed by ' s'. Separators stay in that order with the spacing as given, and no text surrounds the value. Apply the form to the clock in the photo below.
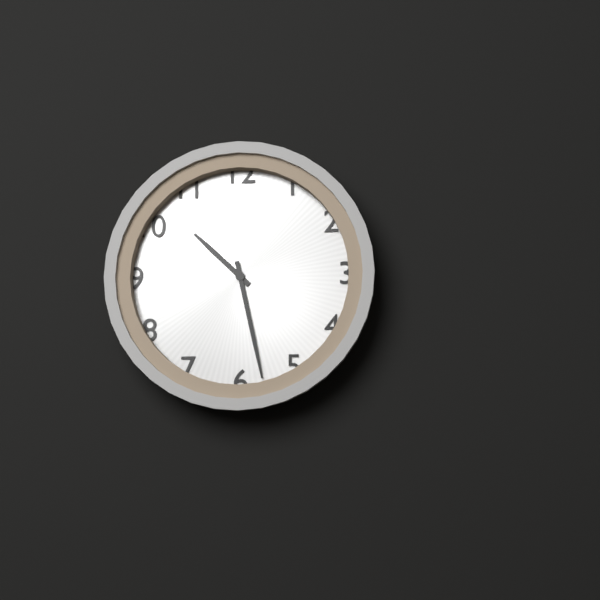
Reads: 10 h 28 min
